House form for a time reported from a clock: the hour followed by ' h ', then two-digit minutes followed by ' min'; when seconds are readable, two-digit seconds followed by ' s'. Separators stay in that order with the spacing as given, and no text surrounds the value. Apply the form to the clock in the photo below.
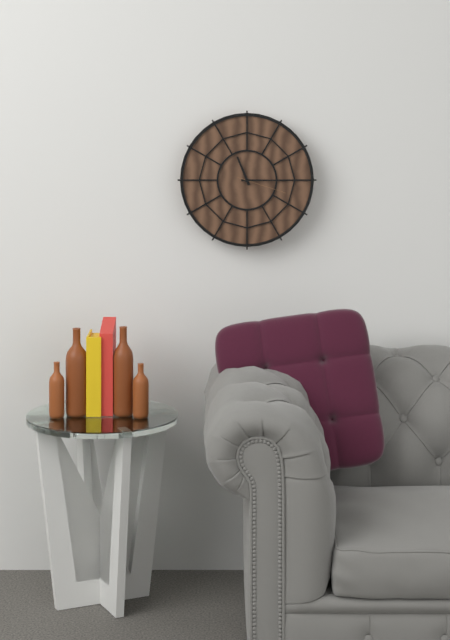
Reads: 11 h 15 min 18 s
